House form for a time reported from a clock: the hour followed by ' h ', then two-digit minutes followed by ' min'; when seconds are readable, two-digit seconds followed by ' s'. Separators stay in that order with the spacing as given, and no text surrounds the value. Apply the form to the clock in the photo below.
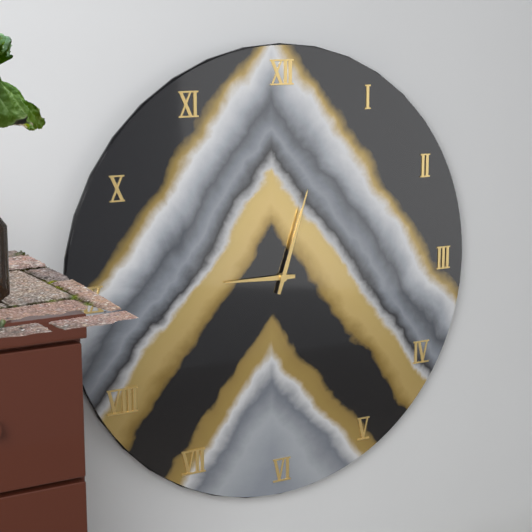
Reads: 9 h 03 min
